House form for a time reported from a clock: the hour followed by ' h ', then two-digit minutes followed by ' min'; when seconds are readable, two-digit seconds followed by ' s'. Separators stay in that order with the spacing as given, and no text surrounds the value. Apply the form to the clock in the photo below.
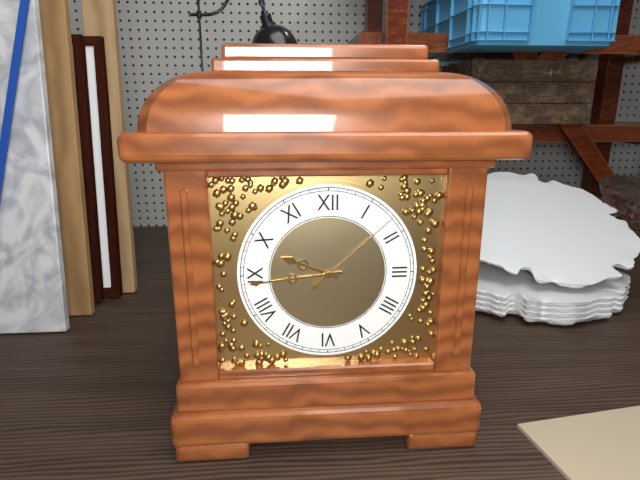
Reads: 9 h 44 min 08 s
